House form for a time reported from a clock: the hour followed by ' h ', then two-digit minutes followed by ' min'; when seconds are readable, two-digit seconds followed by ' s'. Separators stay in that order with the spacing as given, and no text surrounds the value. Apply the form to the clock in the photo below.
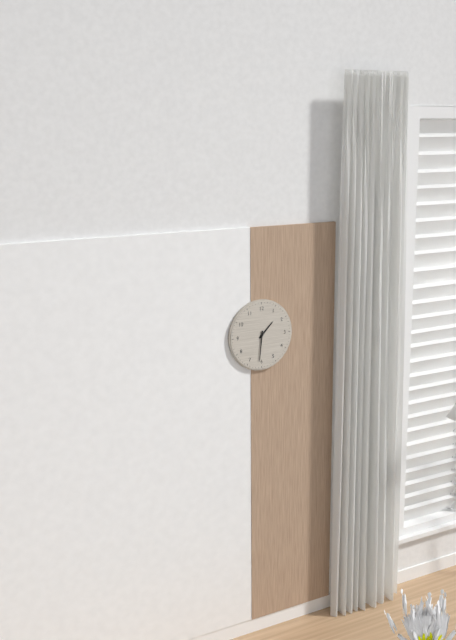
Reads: 1 h 31 min
